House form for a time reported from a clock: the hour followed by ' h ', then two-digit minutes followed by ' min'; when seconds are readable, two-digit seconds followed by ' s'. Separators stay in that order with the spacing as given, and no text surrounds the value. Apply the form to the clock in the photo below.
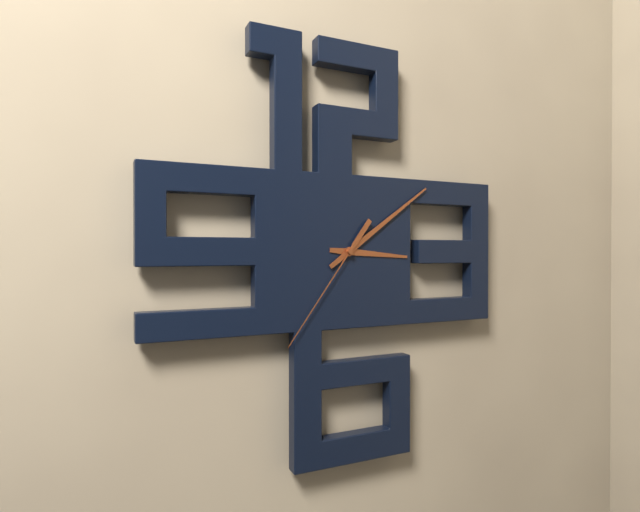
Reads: 3 h 09 min 36 s
